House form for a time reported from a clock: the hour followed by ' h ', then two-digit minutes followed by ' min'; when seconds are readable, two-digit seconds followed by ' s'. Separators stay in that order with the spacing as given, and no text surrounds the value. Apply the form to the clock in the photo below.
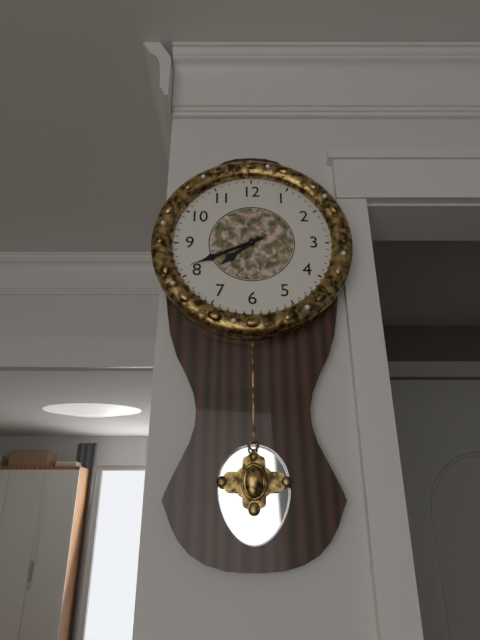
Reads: 7 h 41 min 41 s
